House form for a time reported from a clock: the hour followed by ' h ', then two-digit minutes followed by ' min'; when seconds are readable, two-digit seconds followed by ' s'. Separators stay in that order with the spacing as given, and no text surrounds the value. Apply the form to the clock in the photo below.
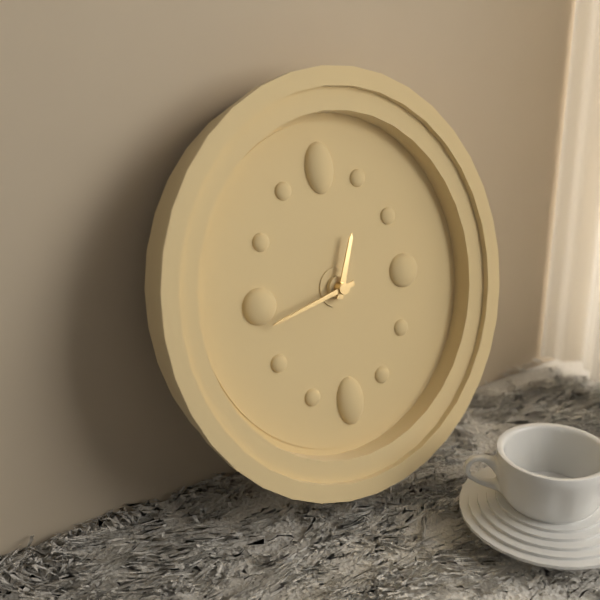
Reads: 12 h 43 min
